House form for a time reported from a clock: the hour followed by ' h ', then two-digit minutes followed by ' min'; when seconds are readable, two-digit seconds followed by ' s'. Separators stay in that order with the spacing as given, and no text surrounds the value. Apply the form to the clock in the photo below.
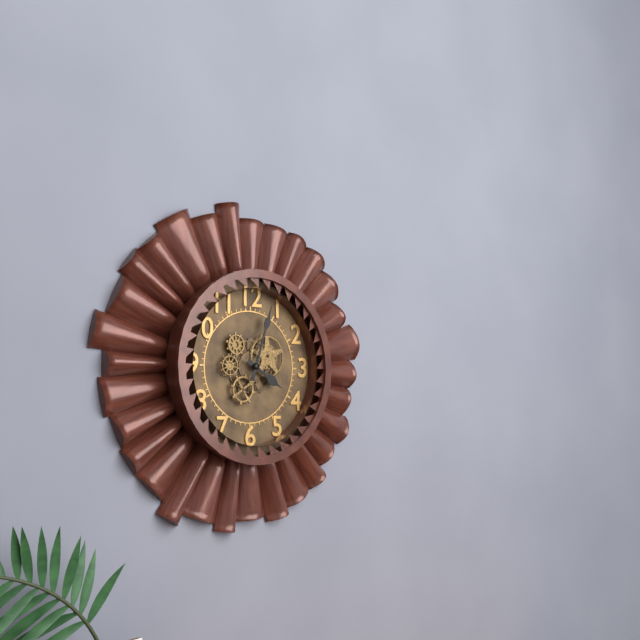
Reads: 4 h 03 min
